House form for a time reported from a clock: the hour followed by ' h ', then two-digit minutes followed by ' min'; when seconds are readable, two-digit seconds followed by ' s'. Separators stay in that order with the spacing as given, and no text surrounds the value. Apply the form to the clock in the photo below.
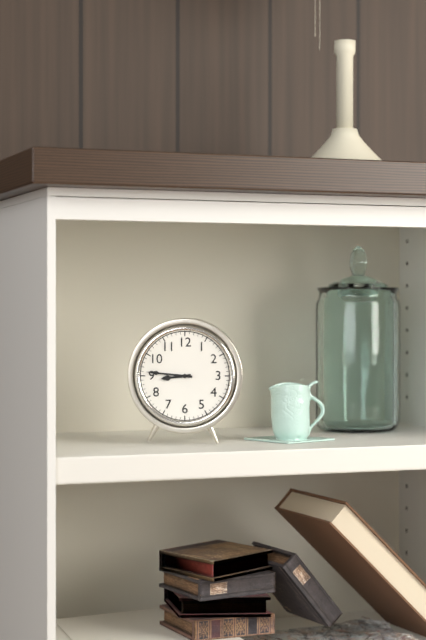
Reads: 8 h 46 min
